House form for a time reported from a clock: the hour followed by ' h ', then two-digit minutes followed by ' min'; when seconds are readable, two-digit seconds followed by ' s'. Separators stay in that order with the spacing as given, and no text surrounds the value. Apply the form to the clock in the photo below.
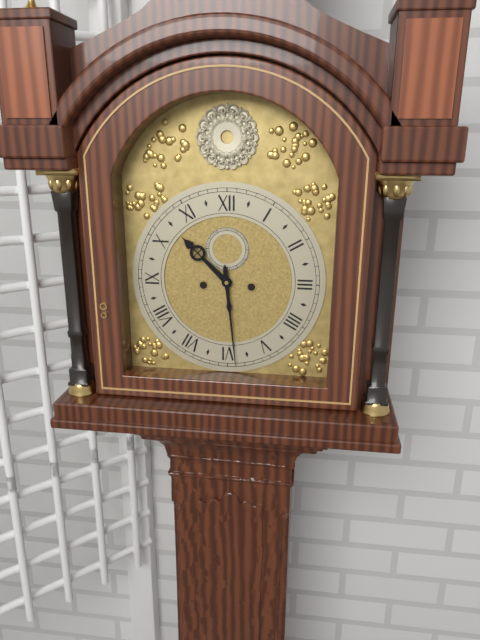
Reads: 10 h 29 min
